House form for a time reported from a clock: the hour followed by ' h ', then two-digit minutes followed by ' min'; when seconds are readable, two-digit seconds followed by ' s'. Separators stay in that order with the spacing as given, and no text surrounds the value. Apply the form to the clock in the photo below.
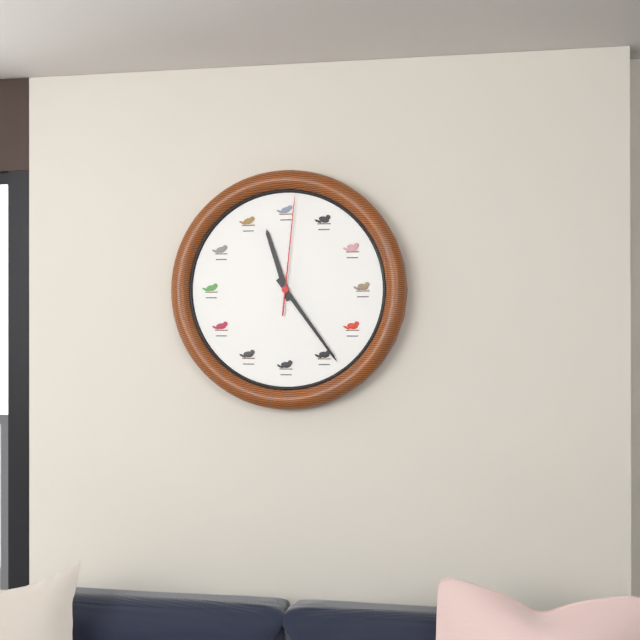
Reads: 11 h 24 min 01 s
